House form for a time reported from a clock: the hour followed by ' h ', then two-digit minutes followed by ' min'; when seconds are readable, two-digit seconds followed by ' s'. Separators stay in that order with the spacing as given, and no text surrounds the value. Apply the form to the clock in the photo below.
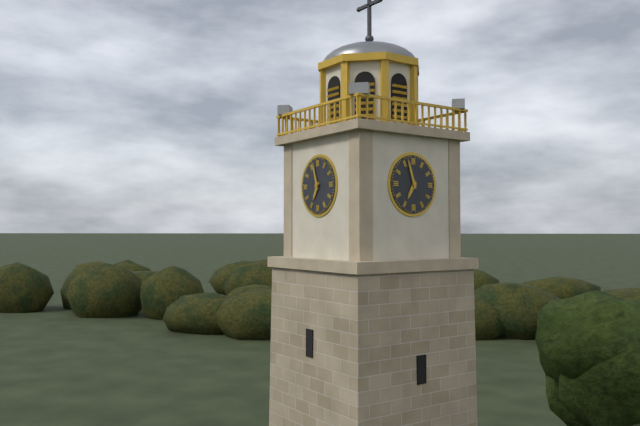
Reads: 6 h 57 min
